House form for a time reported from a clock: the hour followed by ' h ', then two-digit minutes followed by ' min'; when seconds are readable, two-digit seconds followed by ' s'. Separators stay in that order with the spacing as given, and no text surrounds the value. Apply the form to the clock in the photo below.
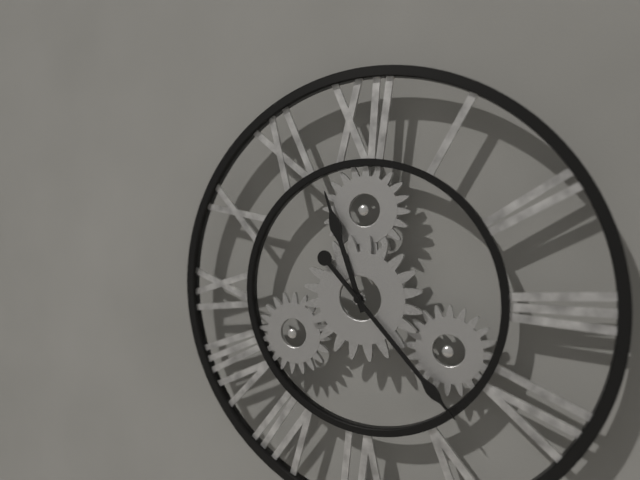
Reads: 11 h 23 min
